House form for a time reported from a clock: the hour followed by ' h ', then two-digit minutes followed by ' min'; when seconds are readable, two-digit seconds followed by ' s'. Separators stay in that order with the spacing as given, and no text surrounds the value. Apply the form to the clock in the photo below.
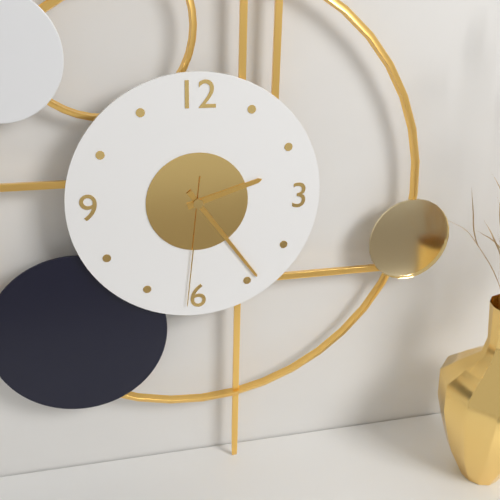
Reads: 2 h 24 min 31 s
